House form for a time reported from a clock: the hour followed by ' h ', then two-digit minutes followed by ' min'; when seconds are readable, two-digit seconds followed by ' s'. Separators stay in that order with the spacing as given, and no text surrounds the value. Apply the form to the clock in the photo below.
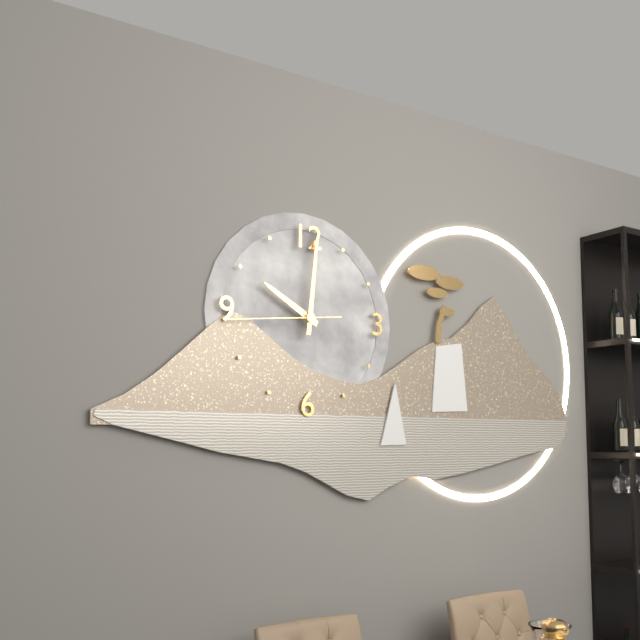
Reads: 10 h 01 min 44 s
